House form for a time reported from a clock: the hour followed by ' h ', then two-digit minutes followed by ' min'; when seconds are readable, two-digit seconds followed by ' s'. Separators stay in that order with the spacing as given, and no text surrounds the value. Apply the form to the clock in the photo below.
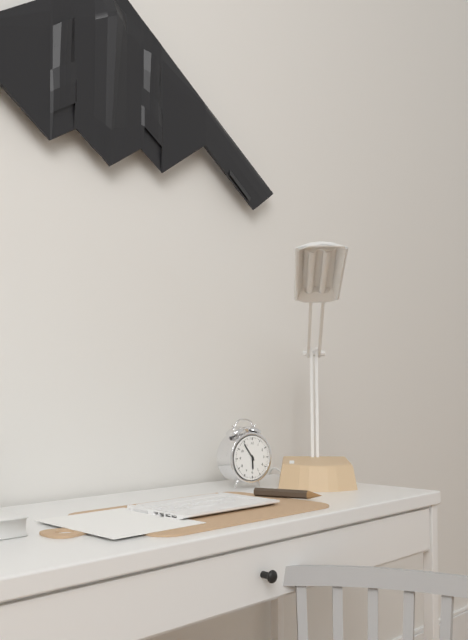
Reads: 5 h 54 min
